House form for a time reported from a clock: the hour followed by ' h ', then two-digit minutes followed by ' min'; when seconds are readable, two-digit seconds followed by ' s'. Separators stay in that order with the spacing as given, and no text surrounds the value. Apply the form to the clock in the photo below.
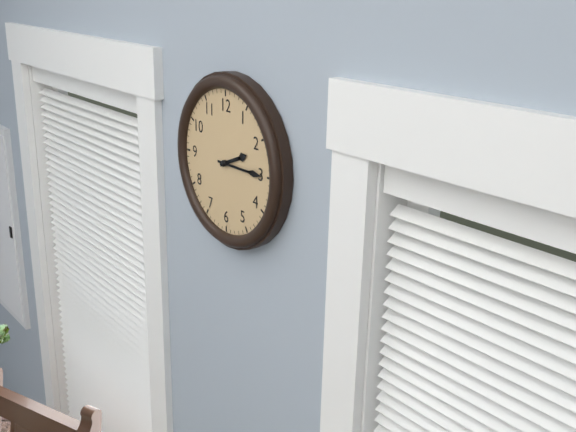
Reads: 2 h 15 min
